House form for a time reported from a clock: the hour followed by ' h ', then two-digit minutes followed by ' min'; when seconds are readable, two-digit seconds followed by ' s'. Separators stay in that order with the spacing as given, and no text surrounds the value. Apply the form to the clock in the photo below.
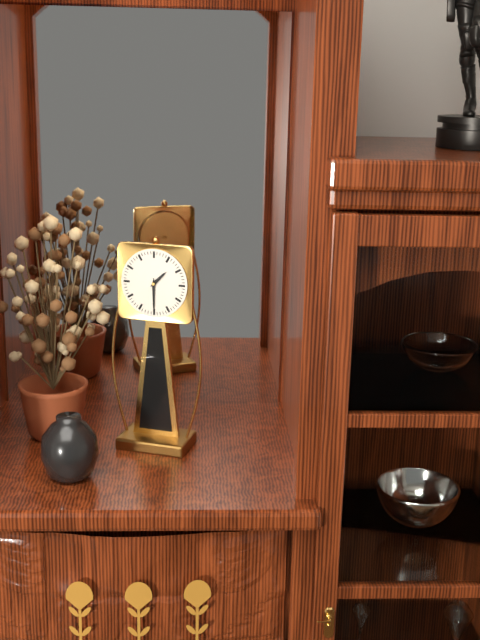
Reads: 1 h 30 min
